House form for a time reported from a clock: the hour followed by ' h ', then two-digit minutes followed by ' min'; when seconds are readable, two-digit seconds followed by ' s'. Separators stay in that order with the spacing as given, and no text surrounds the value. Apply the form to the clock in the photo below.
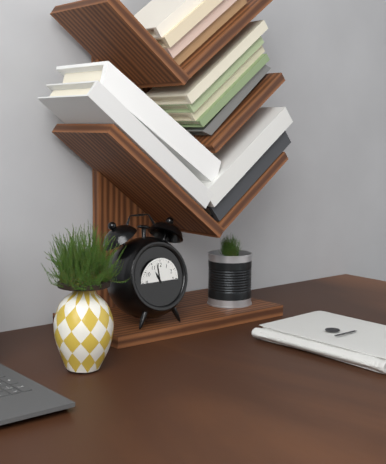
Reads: 10 h 58 min
